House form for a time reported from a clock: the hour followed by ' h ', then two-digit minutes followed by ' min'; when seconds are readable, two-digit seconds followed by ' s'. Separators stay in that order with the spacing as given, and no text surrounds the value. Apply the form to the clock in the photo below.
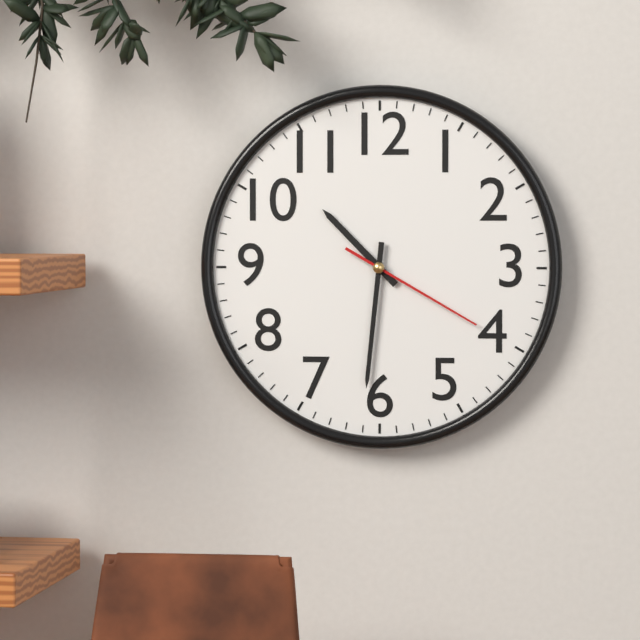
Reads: 10 h 31 min 20 s
